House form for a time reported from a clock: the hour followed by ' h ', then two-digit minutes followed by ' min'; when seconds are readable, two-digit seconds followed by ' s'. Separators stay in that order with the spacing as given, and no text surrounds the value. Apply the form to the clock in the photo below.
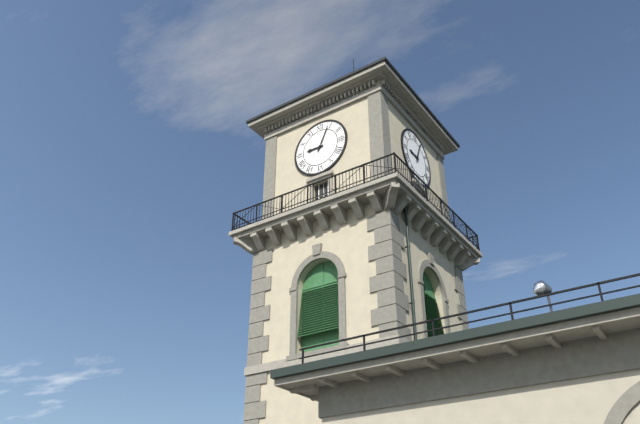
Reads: 9 h 04 min
